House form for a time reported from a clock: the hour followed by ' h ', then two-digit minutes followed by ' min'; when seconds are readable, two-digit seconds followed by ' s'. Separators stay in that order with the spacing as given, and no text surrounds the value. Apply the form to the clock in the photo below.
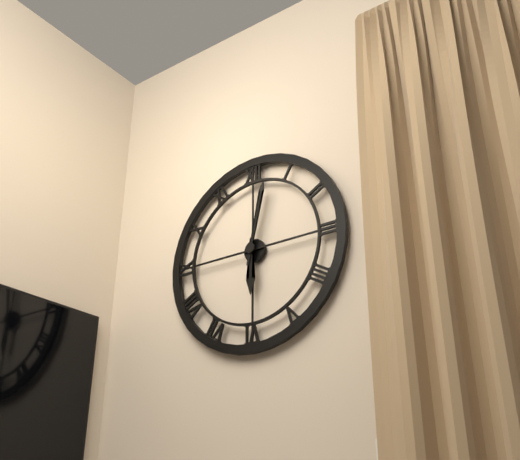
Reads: 6 h 02 min
